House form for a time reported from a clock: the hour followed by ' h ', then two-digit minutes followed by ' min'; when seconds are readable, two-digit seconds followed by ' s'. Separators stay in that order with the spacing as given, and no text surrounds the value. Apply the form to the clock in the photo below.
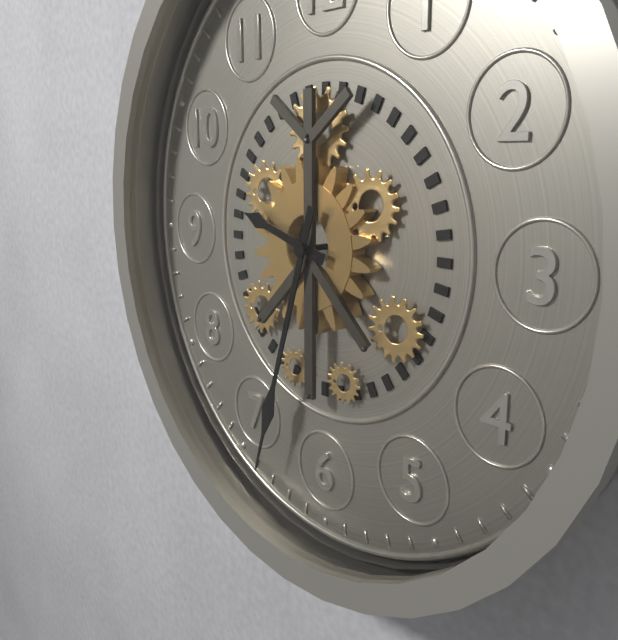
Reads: 9 h 33 min
